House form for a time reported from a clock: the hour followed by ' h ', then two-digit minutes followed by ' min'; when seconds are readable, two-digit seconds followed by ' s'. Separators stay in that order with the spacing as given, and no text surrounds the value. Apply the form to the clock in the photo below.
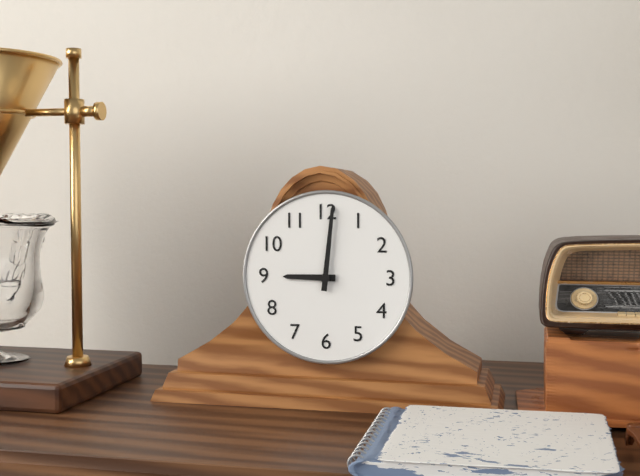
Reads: 9 h 01 min
